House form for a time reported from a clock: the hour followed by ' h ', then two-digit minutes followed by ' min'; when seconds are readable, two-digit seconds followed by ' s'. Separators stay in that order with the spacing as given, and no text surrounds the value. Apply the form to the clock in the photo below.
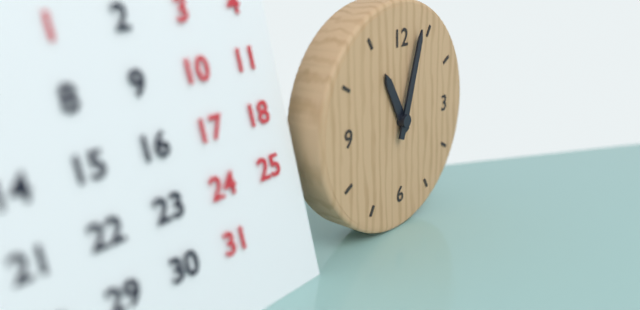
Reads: 11 h 03 min
